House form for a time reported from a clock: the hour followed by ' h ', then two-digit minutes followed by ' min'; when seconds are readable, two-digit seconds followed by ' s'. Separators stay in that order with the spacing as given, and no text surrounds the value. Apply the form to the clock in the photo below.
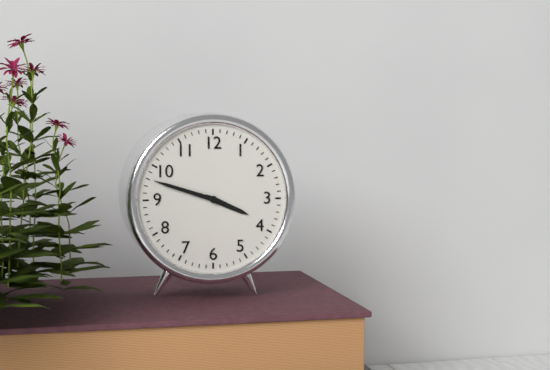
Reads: 3 h 48 min
